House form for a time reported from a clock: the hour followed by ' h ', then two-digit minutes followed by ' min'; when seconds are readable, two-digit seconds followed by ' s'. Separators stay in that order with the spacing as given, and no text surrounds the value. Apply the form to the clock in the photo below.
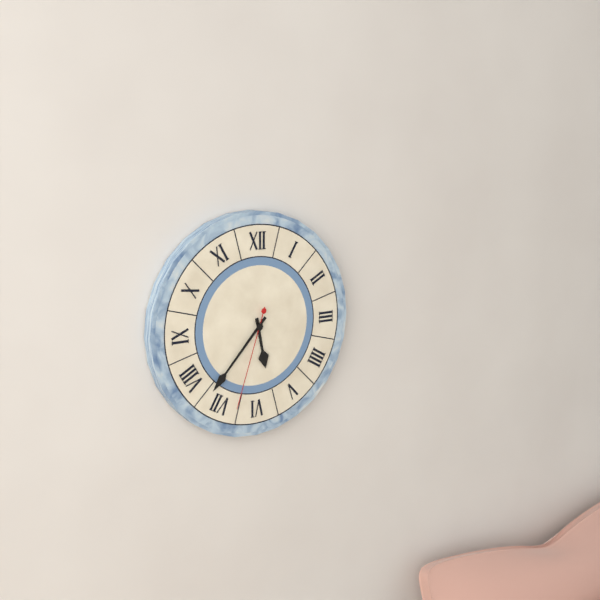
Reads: 5 h 37 min 33 s
